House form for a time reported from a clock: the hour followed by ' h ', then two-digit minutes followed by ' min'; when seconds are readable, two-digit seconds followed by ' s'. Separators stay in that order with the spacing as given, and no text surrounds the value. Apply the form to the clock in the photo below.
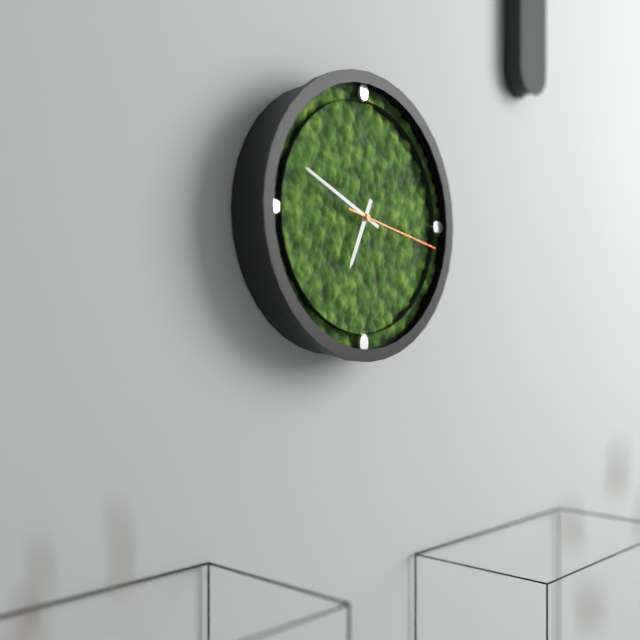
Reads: 6 h 49 min 17 s
